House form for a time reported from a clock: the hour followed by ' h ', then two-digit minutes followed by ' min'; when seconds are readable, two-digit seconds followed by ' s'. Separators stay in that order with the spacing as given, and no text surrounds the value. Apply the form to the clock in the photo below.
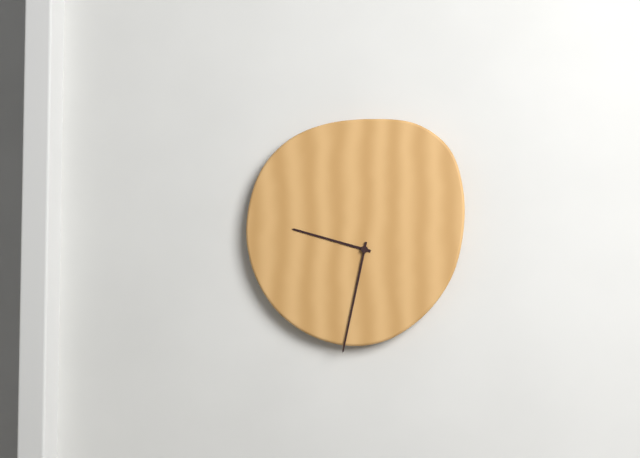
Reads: 9 h 32 min
